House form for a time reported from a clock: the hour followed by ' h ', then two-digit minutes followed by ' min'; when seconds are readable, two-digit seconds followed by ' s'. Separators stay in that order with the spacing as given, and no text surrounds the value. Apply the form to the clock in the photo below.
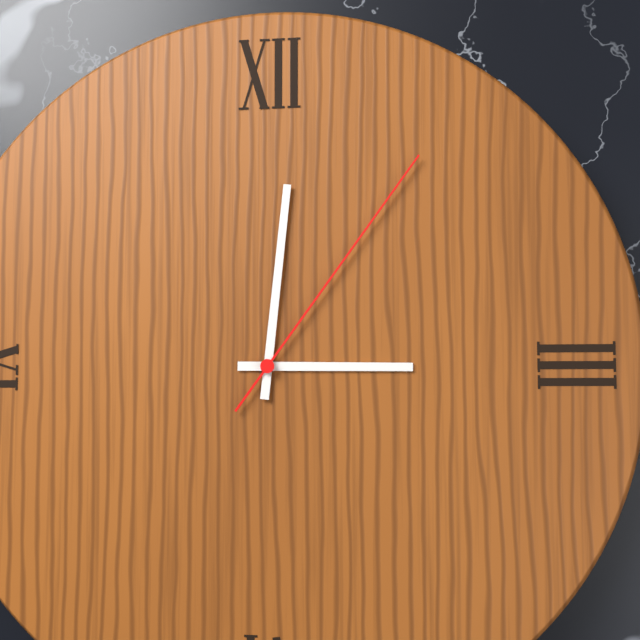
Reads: 3 h 01 min 06 s
